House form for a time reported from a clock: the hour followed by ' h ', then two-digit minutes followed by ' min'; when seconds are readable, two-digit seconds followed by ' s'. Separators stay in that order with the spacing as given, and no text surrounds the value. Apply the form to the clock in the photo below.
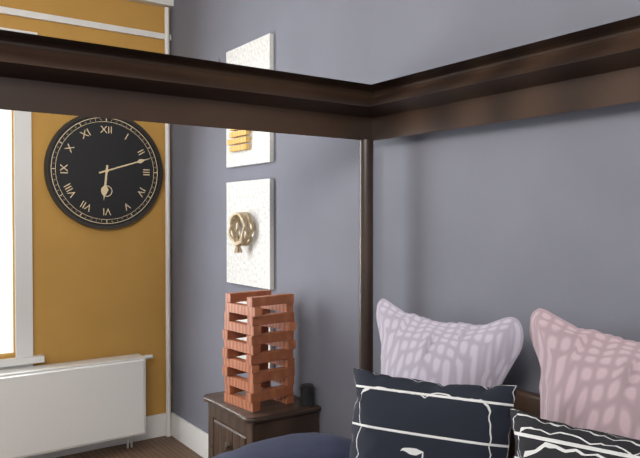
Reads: 6 h 12 min
